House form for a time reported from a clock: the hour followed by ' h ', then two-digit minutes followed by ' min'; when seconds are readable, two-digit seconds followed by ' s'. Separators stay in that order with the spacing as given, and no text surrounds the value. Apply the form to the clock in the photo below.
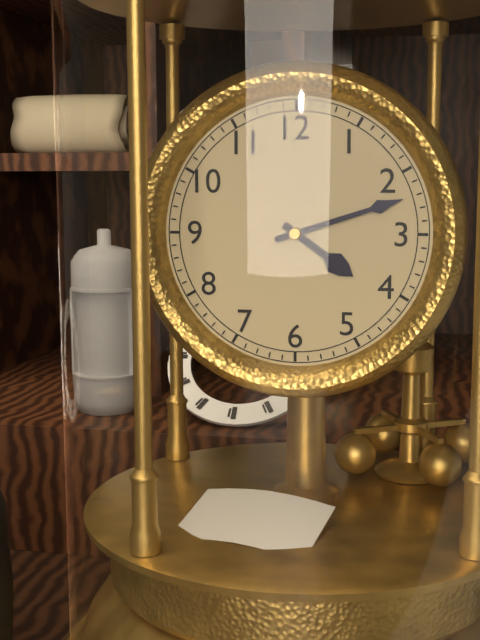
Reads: 4 h 12 min
